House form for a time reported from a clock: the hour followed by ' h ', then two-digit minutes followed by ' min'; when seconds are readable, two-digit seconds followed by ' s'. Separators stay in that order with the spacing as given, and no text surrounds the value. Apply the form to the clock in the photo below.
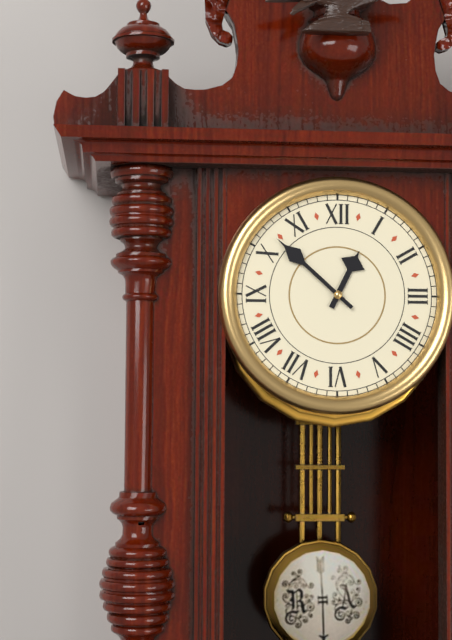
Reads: 12 h 52 min
